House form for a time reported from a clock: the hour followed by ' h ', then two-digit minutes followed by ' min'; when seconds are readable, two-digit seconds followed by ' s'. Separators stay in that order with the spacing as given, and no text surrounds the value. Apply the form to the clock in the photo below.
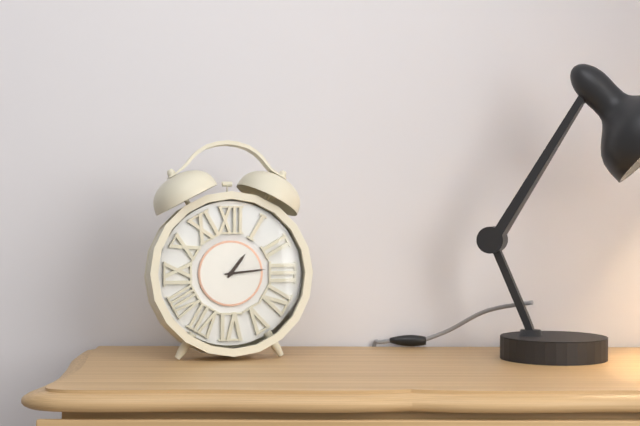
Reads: 1 h 14 min
